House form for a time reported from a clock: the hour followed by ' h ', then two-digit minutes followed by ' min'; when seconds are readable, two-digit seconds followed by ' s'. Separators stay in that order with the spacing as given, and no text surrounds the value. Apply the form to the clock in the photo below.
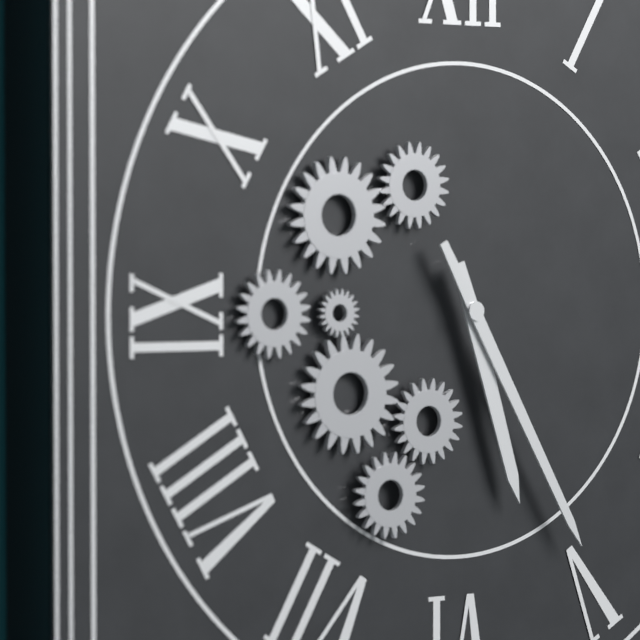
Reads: 5 h 25 min
